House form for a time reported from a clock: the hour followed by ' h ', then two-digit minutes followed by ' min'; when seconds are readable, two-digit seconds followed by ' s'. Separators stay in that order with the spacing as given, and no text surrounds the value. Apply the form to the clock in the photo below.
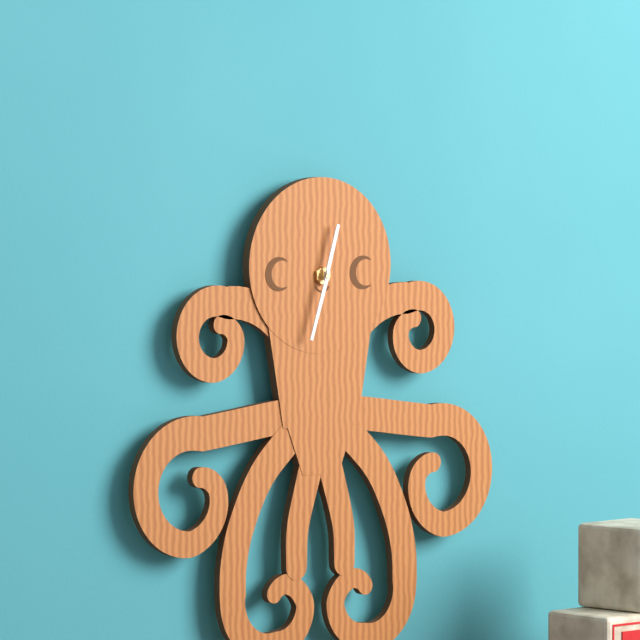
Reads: 12 h 33 min
